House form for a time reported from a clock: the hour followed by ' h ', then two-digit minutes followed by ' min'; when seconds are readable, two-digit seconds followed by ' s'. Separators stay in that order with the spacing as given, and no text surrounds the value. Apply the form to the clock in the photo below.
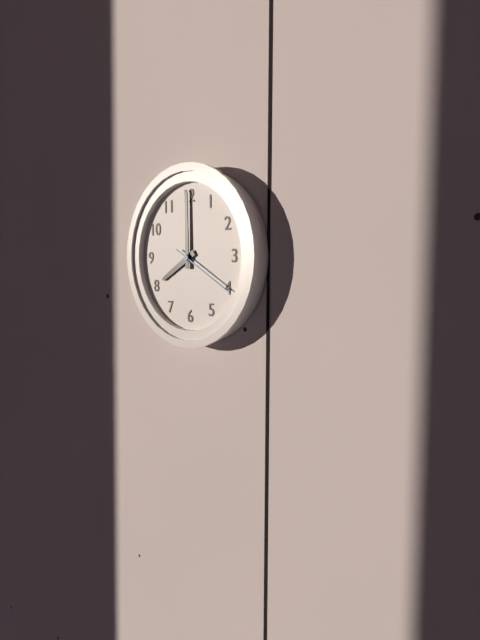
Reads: 8 h 00 min 20 s
